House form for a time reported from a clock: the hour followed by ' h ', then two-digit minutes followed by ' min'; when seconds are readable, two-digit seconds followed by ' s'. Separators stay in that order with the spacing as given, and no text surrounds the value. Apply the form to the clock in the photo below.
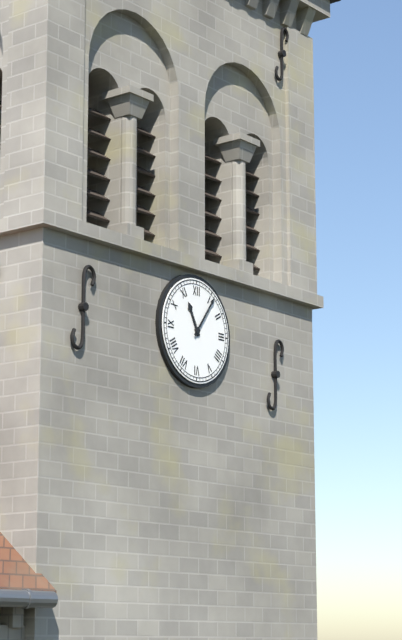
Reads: 11 h 06 min
